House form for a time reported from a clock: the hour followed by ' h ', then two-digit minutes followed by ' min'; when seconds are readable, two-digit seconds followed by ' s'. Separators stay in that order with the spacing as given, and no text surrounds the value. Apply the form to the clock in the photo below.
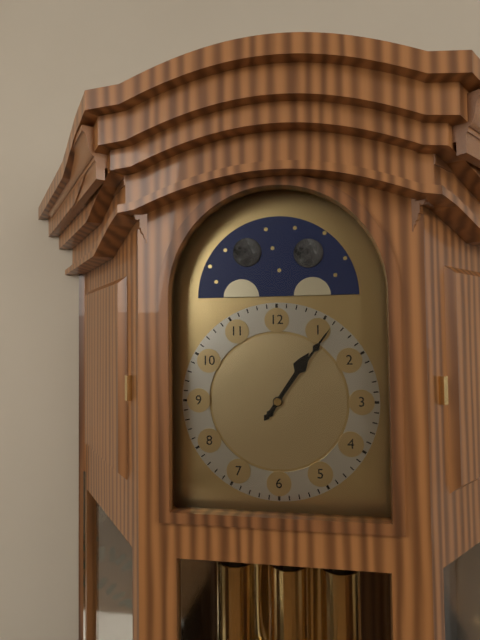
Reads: 1 h 06 min
